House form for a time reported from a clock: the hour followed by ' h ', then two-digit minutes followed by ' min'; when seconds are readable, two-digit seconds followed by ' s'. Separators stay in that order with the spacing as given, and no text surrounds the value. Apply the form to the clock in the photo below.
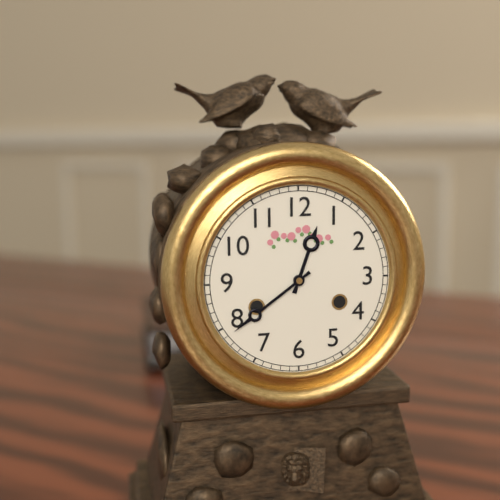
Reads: 12 h 39 min
